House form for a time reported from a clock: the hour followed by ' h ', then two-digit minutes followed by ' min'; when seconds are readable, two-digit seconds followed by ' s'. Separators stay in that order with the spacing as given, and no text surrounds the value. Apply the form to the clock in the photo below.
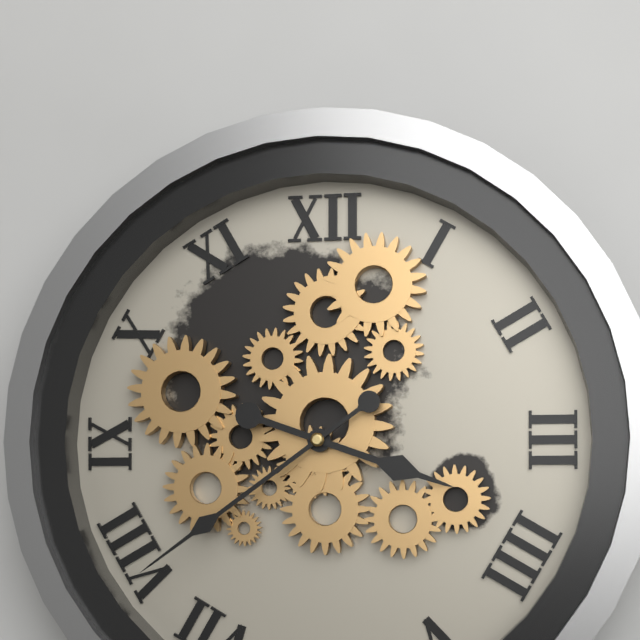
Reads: 3 h 39 min
